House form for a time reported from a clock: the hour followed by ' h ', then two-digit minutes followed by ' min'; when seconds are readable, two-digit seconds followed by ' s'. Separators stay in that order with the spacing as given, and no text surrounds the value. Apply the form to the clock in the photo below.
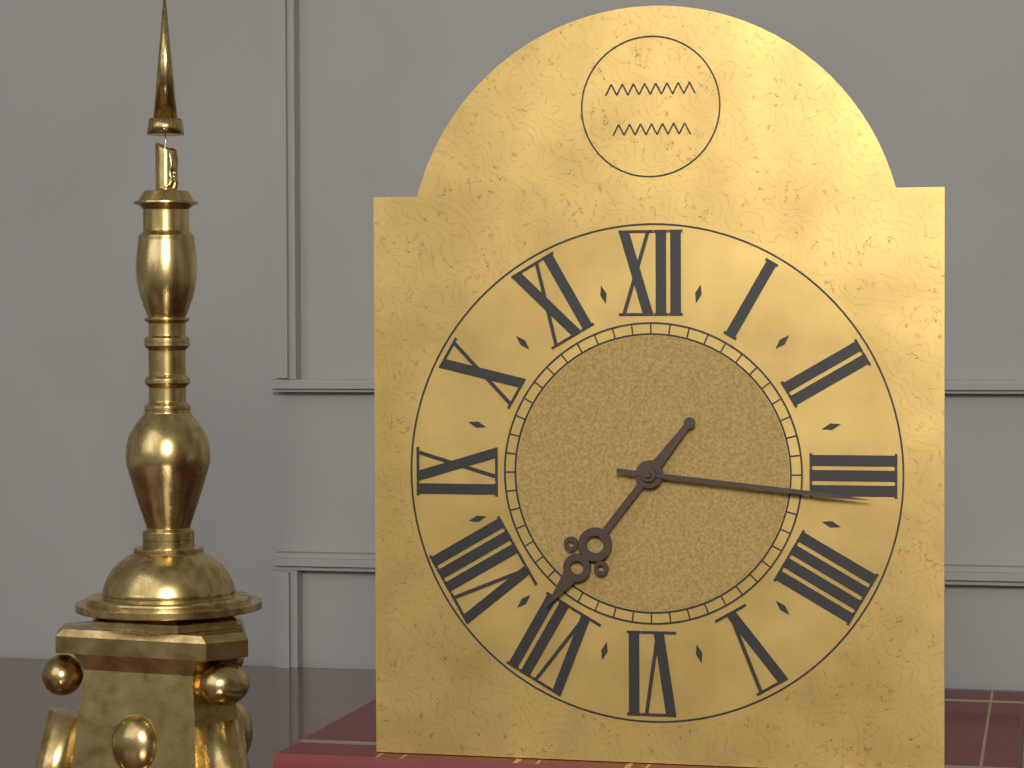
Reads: 7 h 16 min
